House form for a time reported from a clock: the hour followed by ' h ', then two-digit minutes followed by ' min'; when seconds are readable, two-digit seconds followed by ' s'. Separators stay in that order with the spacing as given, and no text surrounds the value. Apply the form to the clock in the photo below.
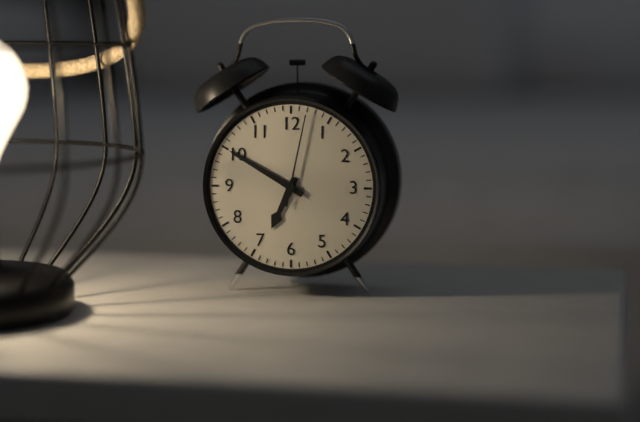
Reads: 6 h 50 min 02 s
